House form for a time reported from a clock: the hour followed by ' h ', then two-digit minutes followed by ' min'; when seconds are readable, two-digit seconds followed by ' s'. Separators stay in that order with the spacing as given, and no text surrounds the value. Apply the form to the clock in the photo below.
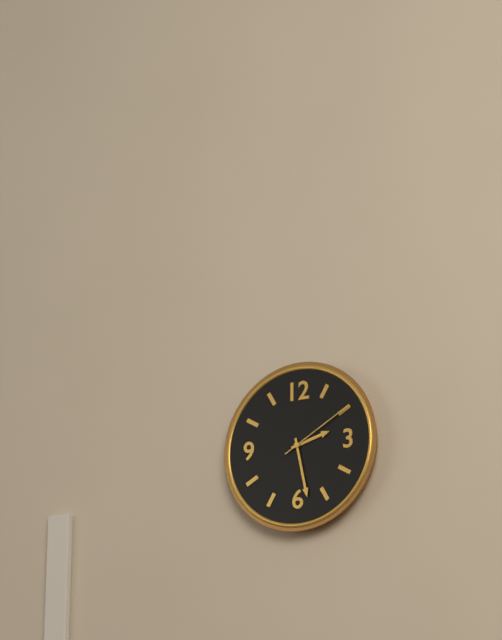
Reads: 2 h 28 min 10 s
